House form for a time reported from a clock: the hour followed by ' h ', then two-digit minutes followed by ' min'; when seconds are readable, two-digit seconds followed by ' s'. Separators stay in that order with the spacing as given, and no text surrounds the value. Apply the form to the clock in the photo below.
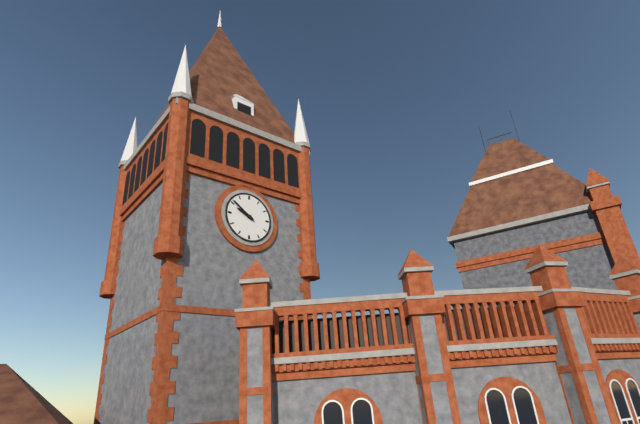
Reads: 9 h 51 min
